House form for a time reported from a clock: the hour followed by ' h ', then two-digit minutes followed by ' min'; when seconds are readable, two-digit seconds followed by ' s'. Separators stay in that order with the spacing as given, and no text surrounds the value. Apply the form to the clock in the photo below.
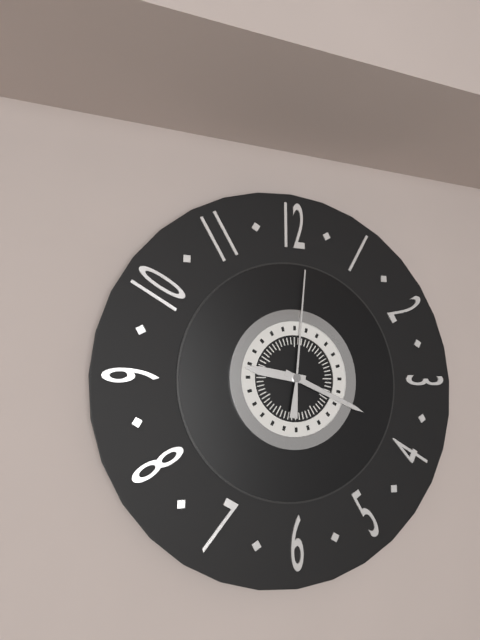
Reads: 9 h 19 min 01 s
